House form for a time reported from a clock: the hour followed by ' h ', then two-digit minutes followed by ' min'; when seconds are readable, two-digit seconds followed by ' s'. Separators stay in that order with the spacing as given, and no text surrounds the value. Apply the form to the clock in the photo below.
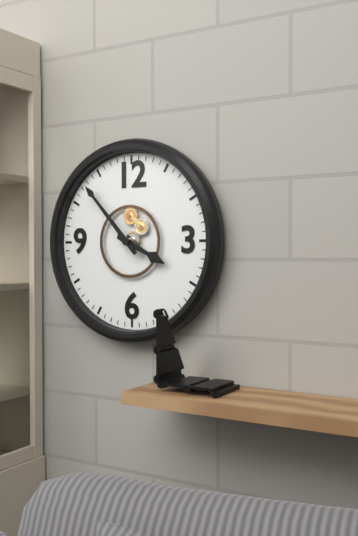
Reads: 3 h 53 min
